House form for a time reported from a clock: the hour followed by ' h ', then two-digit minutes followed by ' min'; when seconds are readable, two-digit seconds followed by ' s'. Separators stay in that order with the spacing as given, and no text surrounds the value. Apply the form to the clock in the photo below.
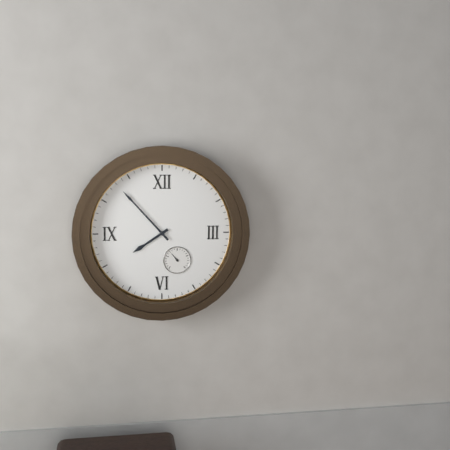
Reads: 7 h 53 min
